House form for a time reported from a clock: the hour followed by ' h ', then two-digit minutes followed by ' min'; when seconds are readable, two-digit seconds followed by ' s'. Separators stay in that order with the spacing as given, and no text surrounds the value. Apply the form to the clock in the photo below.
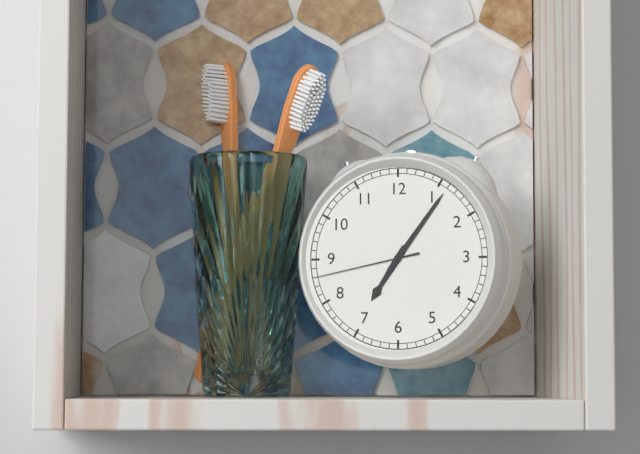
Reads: 7 h 06 min 43 s
